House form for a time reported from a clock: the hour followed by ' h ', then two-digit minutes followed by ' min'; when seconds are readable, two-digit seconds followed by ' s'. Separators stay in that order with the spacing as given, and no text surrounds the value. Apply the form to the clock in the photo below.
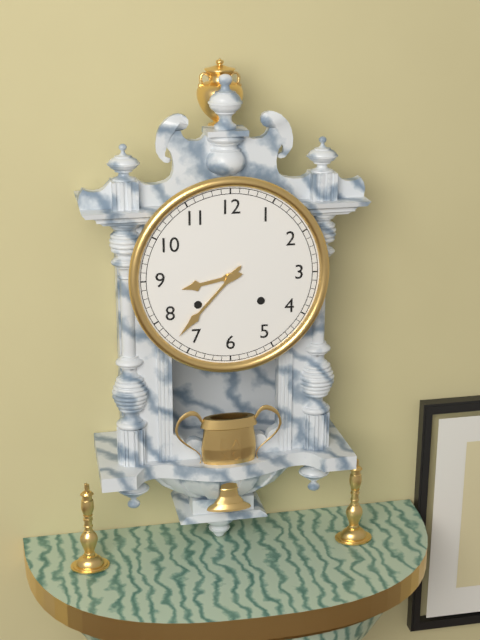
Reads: 8 h 37 min
